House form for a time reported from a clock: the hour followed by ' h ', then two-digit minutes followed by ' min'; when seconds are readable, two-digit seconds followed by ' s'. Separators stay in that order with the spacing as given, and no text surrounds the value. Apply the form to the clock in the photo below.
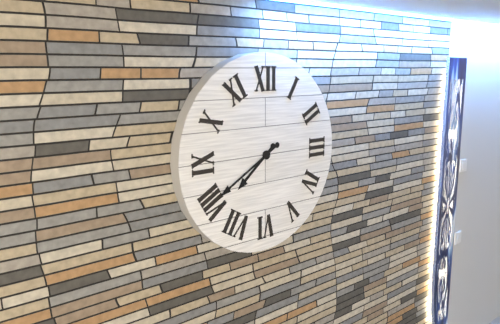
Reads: 7 h 40 min
